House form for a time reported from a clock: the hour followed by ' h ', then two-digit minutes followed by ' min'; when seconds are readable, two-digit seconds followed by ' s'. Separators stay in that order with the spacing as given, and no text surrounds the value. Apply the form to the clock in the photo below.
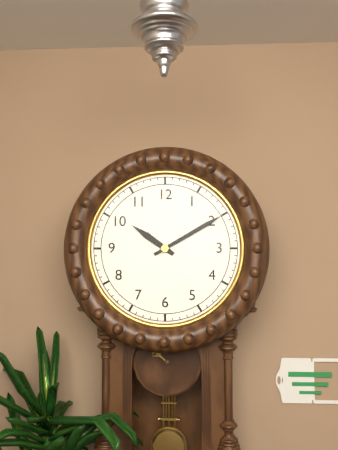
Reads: 10 h 10 min
